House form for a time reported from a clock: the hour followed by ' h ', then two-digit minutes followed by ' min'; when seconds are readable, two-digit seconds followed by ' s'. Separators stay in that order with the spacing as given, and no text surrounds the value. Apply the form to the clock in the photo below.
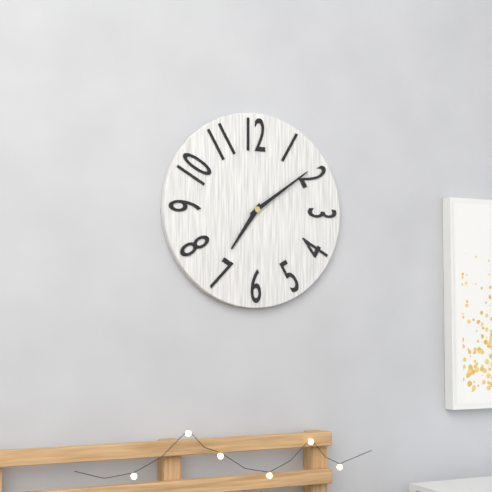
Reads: 7 h 09 min
